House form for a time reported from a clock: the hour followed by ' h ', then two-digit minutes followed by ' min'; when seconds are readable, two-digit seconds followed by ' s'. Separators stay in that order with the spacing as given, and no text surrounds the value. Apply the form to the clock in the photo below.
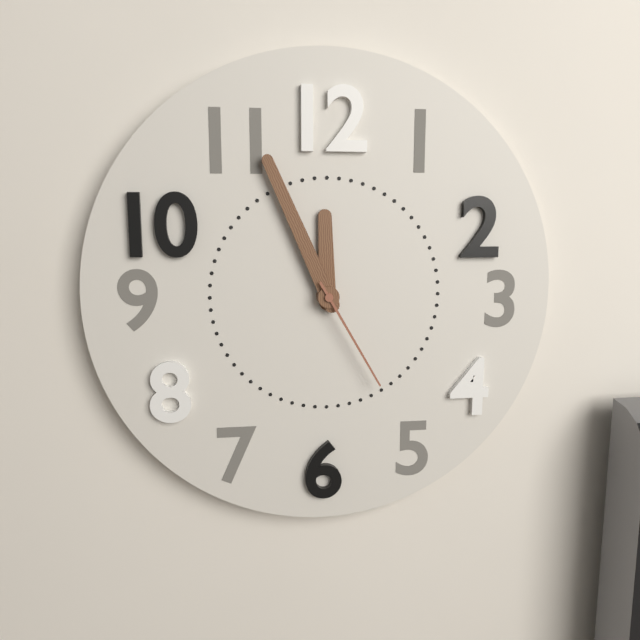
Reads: 11 h 56 min 25 s
